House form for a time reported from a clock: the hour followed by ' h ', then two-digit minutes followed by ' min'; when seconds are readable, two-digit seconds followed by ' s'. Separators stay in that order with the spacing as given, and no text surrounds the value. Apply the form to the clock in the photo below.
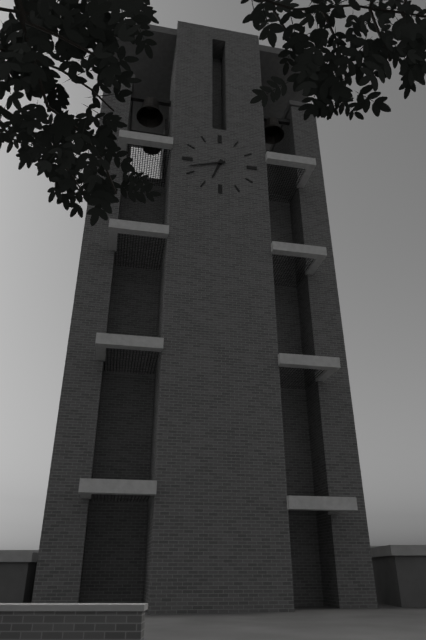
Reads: 6 h 42 min
